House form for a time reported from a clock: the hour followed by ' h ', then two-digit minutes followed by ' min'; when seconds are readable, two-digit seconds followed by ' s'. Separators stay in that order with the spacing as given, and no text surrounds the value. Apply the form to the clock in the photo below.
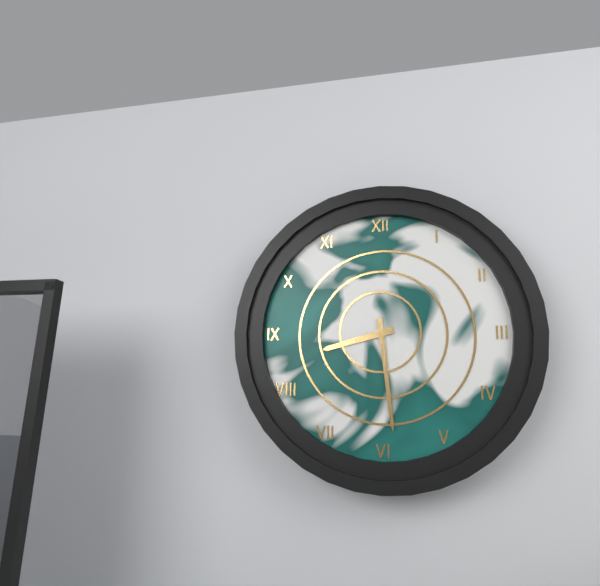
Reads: 8 h 29 min
